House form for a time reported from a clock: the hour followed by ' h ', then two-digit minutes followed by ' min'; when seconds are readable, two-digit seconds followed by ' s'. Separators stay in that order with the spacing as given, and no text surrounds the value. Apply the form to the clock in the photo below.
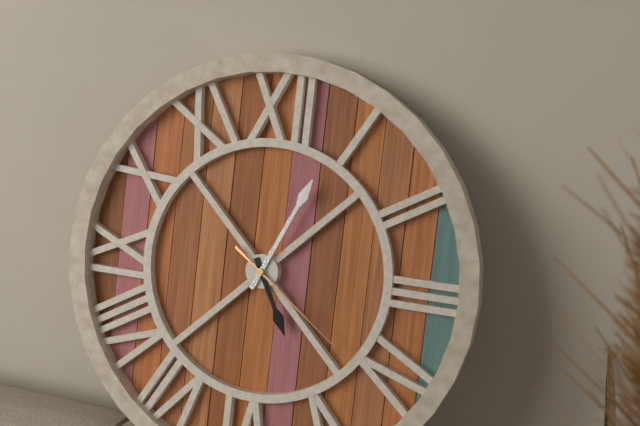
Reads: 5 h 04 min 21 s
